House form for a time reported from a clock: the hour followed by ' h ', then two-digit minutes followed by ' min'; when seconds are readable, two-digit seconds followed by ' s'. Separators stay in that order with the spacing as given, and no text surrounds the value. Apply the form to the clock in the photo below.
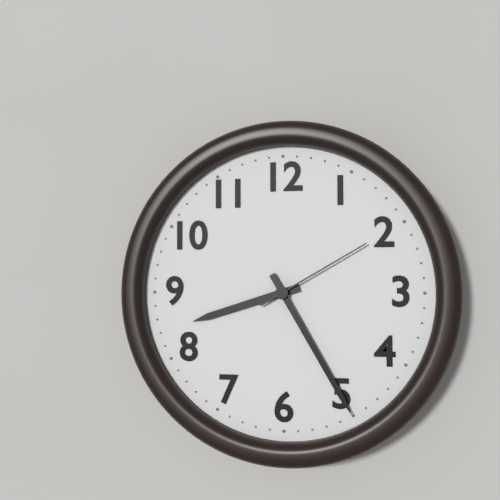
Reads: 8 h 25 min 10 s
